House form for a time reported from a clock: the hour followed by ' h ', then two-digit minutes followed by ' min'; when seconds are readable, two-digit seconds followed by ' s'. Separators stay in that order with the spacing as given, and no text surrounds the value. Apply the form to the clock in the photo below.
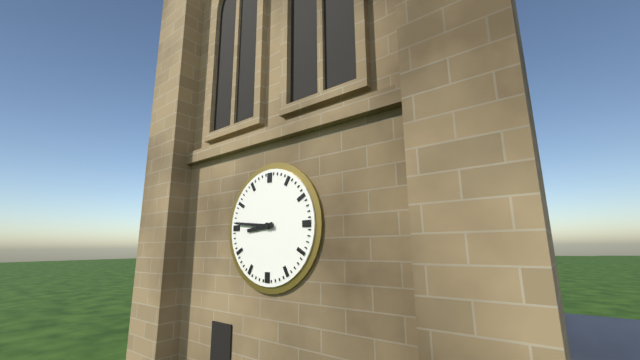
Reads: 8 h 46 min
